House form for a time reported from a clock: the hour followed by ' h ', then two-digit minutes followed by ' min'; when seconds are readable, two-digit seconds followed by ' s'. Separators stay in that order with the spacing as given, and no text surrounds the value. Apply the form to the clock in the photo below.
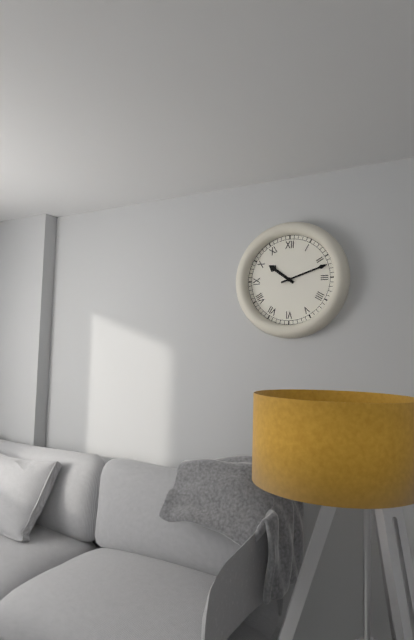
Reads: 10 h 12 min
